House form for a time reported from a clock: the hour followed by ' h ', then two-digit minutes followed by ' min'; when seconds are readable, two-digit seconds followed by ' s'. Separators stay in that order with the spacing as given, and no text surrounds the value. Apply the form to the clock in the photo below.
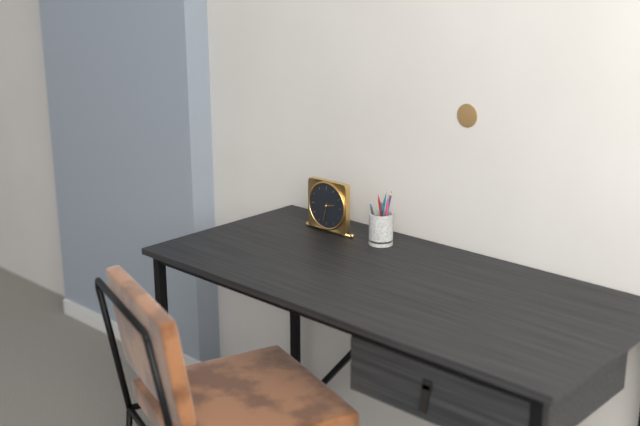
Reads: 2 h 32 min
